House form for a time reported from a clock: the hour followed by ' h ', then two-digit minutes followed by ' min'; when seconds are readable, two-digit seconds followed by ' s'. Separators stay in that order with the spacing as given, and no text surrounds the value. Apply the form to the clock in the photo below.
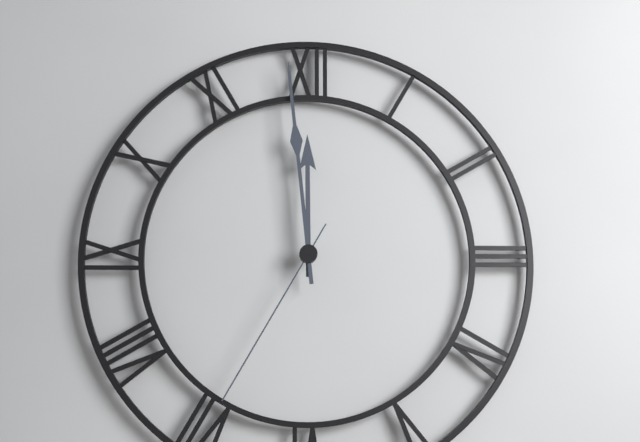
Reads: 11 h 59 min 35 s
